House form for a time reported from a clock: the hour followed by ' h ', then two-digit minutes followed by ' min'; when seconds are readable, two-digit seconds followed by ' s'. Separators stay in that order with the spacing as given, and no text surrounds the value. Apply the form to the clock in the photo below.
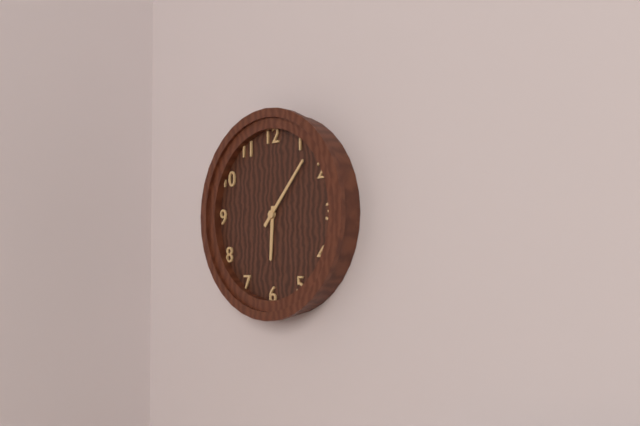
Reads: 6 h 07 min
